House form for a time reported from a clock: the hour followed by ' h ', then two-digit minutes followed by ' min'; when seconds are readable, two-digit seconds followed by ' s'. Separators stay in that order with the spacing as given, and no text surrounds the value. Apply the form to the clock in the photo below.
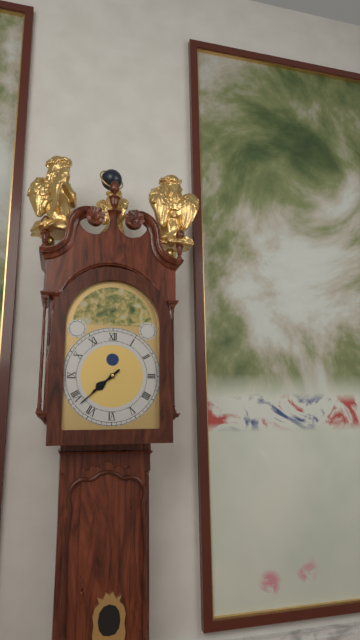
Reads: 7 h 38 min
